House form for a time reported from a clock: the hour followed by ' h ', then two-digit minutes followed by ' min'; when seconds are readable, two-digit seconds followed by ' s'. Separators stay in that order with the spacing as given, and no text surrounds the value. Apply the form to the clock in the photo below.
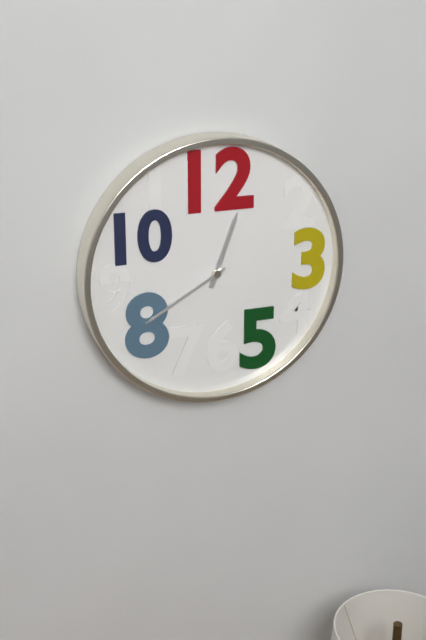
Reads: 12 h 40 min
